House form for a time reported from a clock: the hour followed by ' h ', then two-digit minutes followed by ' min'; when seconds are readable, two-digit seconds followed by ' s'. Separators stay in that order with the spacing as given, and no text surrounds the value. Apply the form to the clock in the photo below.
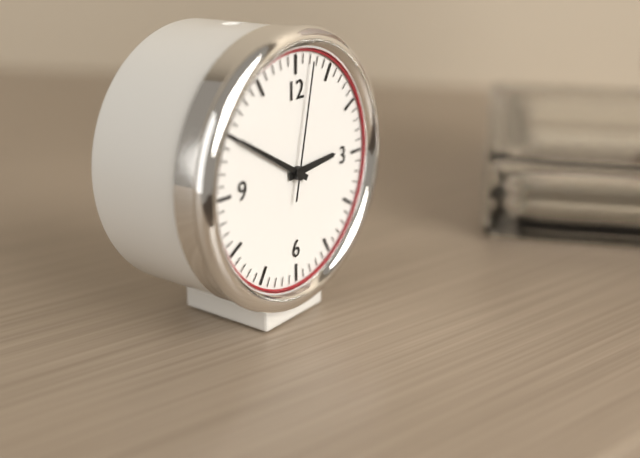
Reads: 2 h 50 min 02 s
